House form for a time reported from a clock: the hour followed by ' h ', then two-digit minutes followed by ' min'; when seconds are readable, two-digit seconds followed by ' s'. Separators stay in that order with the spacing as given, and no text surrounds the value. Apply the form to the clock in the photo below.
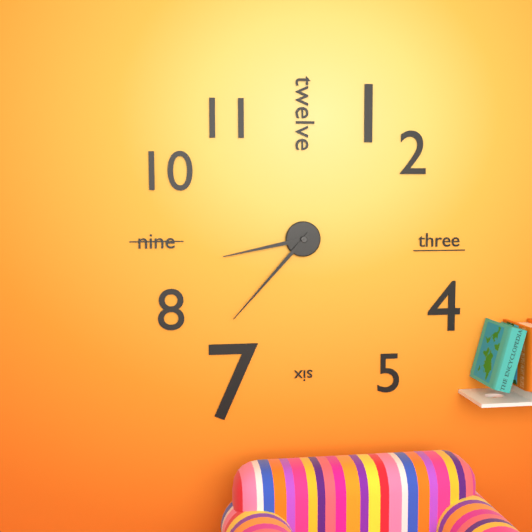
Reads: 8 h 37 min
